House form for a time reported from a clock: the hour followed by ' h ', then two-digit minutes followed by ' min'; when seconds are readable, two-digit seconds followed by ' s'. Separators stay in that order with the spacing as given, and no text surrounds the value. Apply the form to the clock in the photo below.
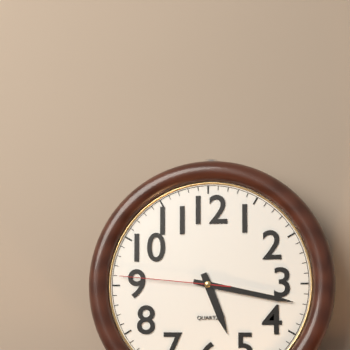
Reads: 5 h 17 min 46 s
